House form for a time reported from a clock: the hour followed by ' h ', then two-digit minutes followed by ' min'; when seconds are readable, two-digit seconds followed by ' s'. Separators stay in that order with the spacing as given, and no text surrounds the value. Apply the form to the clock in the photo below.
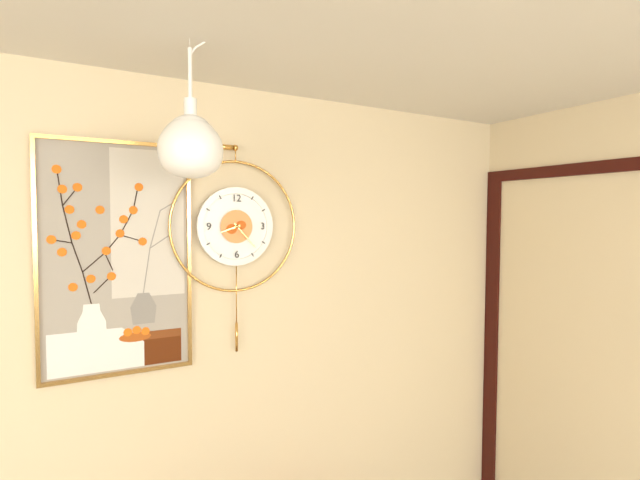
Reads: 8 h 23 min
